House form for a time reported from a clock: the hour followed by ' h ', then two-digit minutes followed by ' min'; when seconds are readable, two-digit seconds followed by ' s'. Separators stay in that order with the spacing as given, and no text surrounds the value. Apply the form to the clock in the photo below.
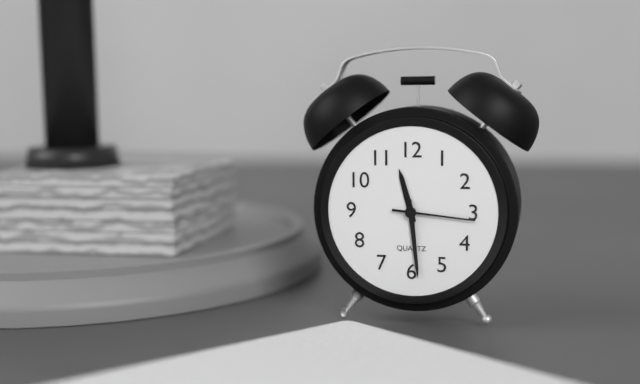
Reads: 11 h 29 min 16 s
